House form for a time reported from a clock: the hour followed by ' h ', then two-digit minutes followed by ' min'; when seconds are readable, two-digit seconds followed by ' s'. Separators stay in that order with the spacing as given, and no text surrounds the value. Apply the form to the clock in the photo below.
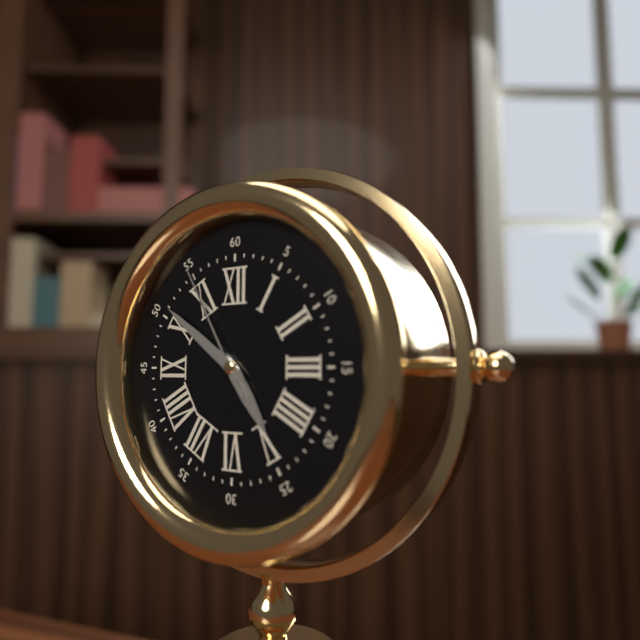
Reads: 4 h 51 min 55 s
